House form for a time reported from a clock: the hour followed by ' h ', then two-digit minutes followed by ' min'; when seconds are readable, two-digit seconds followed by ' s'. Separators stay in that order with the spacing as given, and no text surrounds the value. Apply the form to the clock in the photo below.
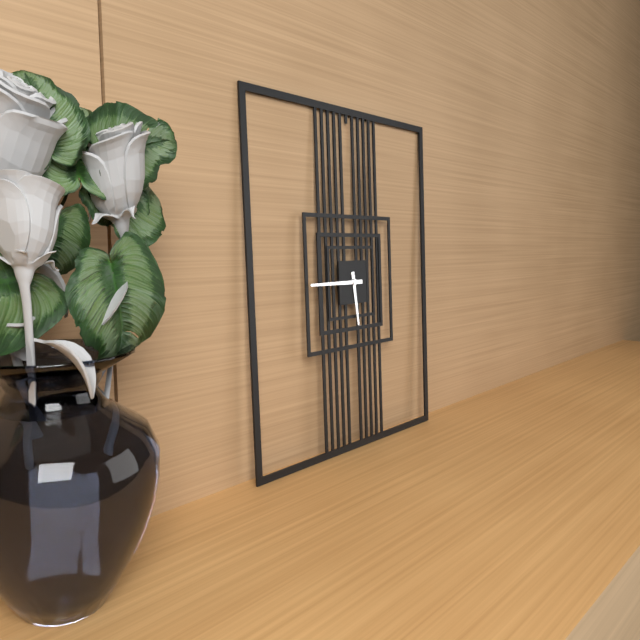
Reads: 5 h 45 min
